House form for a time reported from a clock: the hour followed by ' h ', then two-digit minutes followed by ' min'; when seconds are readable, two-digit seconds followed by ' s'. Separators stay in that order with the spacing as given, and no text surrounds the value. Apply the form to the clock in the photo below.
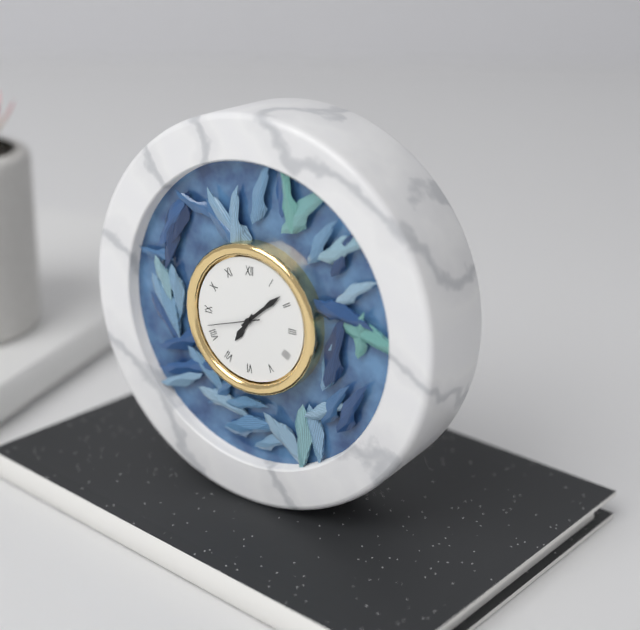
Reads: 7 h 08 min 42 s
